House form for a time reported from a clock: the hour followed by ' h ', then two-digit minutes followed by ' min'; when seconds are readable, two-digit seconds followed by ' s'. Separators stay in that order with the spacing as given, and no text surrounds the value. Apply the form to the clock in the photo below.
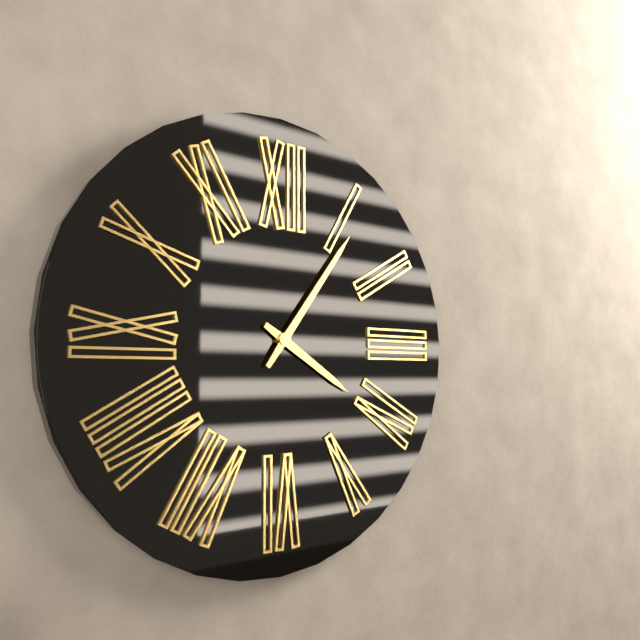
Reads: 4 h 06 min
